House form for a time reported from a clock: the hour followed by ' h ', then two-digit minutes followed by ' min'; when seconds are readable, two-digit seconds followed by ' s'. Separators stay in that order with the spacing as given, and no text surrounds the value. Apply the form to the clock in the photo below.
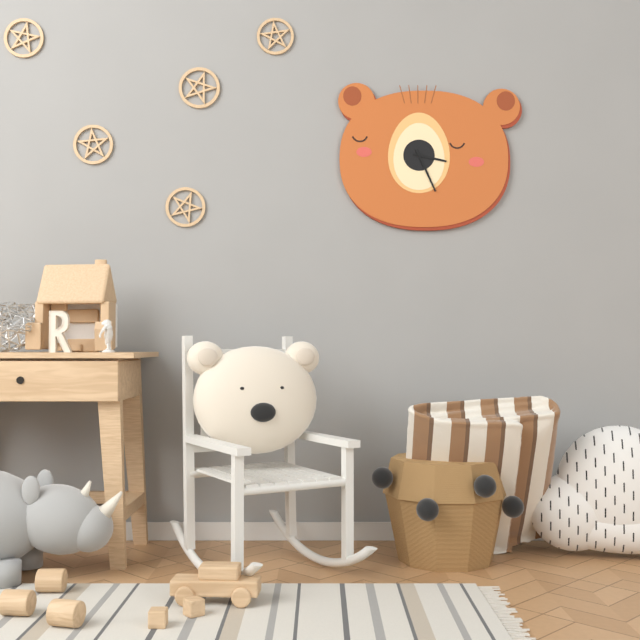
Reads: 3 h 26 min
